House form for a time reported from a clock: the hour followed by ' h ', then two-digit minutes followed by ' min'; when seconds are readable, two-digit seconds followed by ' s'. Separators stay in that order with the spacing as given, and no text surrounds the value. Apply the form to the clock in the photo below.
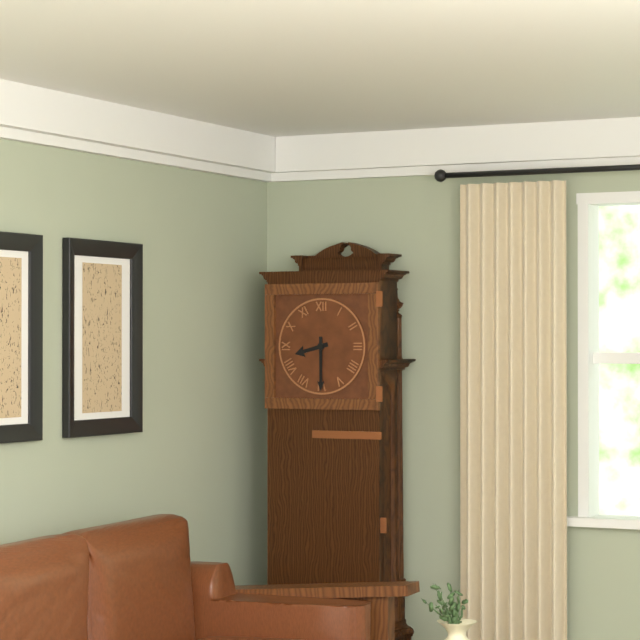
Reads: 8 h 30 min
